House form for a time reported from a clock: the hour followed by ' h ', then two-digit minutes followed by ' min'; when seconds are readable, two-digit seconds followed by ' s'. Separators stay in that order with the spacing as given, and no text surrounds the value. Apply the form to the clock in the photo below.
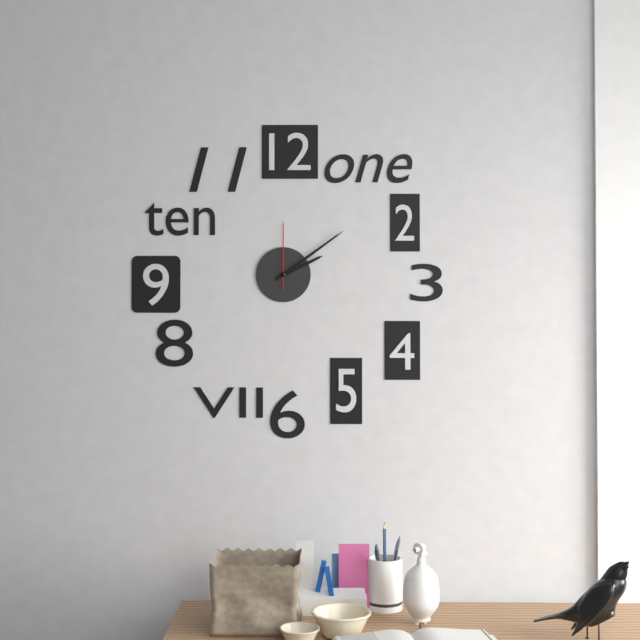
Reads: 2 h 09 min 00 s
